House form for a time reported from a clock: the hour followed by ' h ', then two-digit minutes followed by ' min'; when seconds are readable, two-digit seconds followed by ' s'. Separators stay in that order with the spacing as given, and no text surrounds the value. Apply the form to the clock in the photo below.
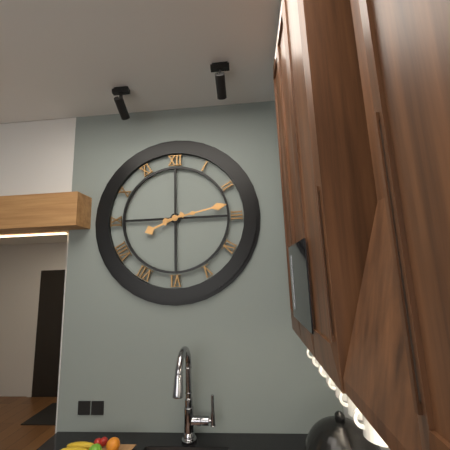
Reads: 8 h 13 min
